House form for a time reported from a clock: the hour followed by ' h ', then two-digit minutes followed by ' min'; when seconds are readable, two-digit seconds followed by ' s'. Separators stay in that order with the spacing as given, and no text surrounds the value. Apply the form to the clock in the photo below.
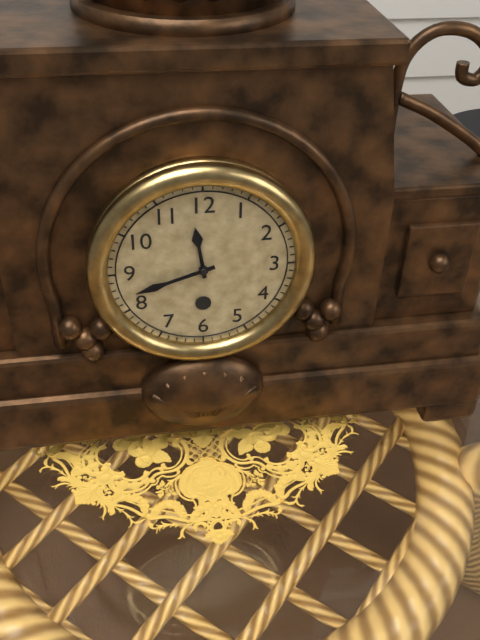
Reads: 11 h 42 min
